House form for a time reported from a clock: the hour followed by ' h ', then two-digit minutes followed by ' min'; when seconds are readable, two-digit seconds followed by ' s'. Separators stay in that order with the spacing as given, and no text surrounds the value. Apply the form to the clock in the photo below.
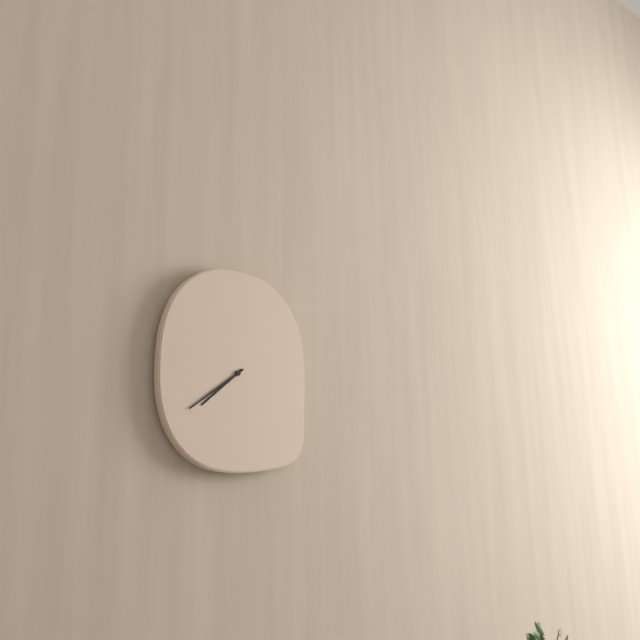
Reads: 7 h 39 min
